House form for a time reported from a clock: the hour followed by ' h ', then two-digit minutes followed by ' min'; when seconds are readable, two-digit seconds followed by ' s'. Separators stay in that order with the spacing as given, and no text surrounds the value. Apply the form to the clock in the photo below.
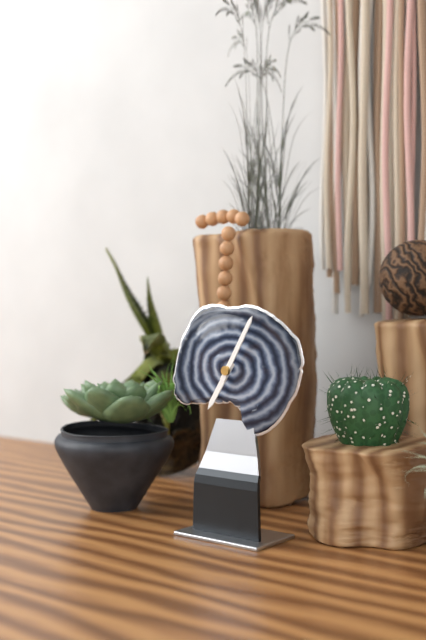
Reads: 7 h 05 min
